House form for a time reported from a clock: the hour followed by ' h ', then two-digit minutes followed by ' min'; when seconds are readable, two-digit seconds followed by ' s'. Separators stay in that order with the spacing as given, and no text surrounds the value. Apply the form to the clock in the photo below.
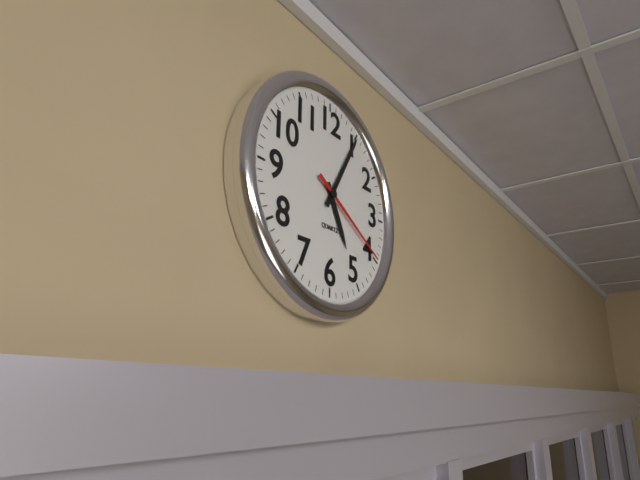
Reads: 5 h 05 min 20 s
